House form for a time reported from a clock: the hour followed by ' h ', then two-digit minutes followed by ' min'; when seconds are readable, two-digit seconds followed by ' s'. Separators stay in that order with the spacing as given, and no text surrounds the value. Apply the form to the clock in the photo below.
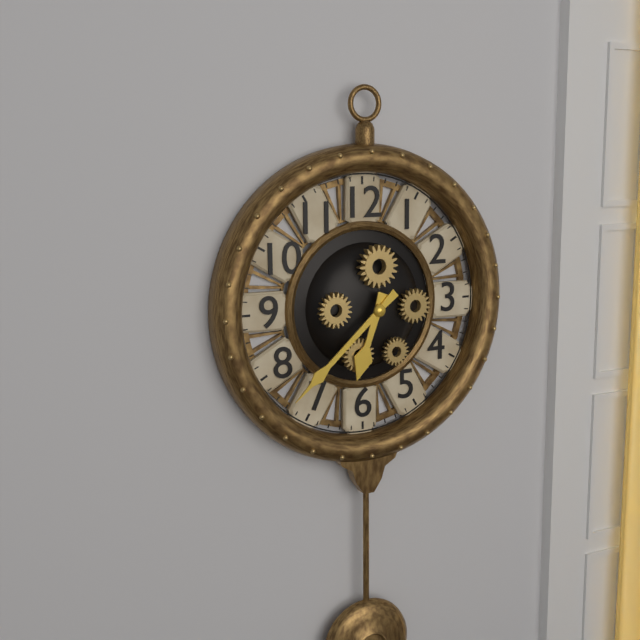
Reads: 6 h 38 min
